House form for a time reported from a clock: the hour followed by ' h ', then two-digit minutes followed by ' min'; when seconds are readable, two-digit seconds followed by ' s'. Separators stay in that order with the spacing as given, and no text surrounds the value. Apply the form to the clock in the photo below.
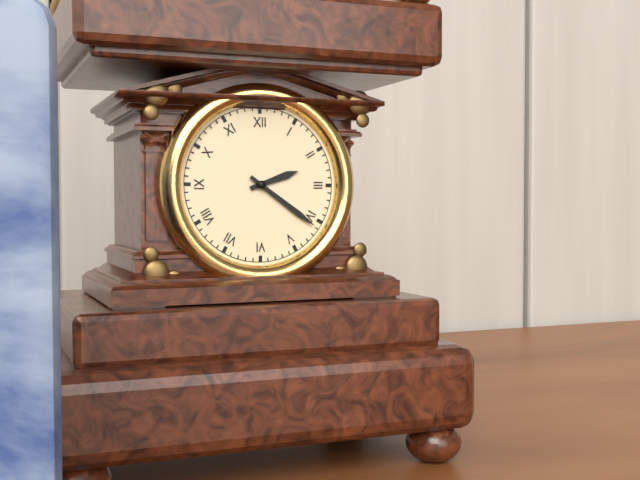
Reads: 2 h 21 min
